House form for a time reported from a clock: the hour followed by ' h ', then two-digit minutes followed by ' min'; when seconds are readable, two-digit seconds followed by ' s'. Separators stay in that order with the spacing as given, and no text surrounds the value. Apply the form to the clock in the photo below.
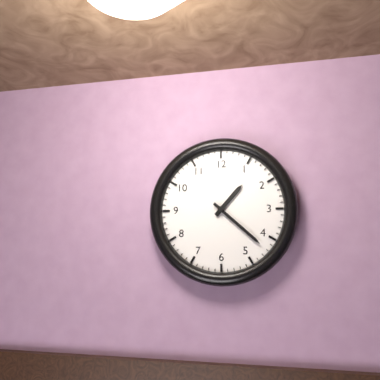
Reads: 1 h 22 min
